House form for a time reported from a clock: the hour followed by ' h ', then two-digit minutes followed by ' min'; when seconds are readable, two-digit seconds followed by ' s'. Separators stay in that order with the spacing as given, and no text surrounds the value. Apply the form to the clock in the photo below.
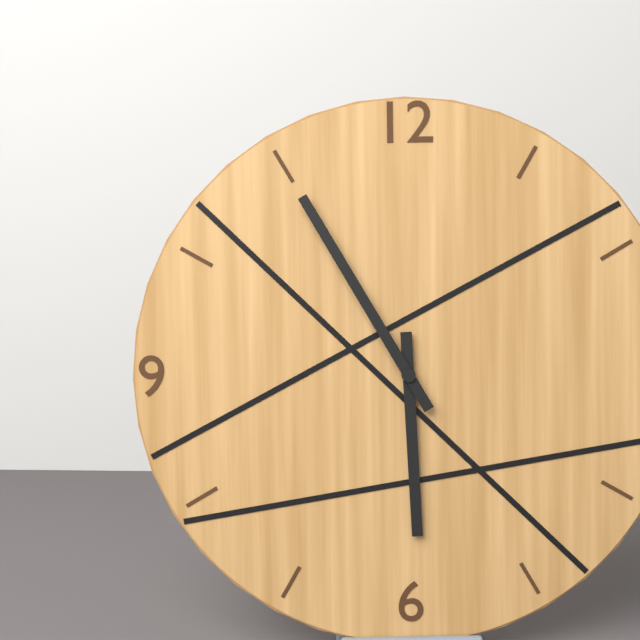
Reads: 5 h 55 min
